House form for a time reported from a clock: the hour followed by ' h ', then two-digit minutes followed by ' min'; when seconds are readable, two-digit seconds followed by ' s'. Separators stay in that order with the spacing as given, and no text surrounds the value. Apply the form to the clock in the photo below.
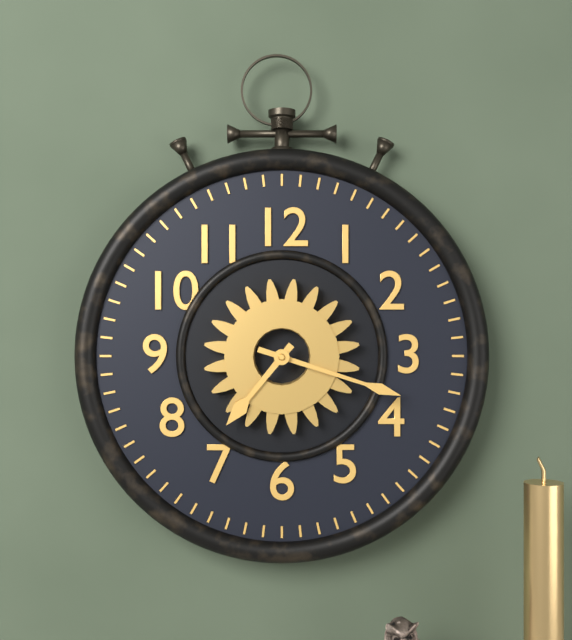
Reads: 7 h 18 min
